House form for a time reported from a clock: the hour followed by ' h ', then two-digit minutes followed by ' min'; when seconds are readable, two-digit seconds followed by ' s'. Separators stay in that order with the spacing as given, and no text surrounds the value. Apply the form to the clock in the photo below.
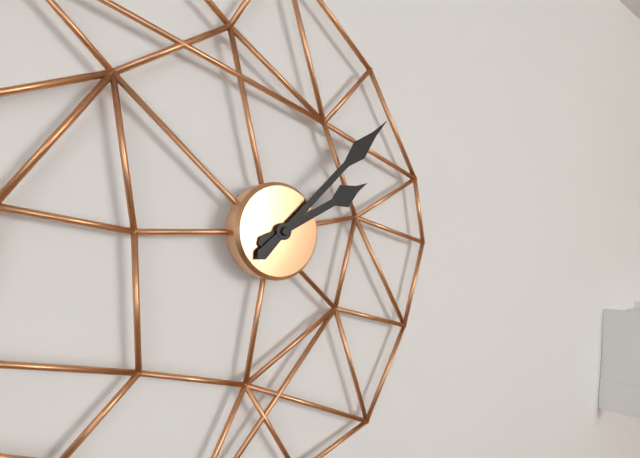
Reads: 2 h 08 min
